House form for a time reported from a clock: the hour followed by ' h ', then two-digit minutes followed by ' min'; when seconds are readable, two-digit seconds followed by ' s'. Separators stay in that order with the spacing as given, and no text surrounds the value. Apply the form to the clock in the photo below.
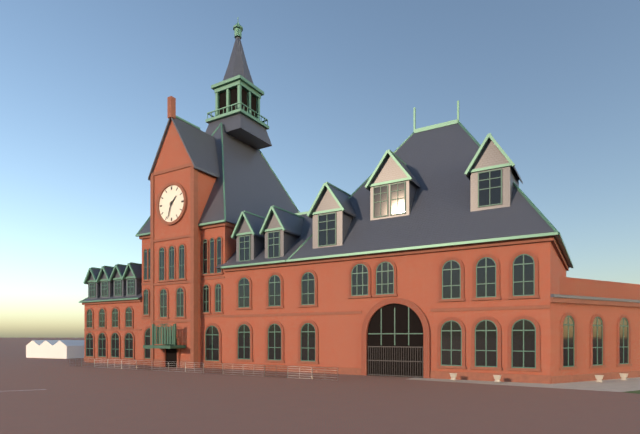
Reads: 1 h 33 min
